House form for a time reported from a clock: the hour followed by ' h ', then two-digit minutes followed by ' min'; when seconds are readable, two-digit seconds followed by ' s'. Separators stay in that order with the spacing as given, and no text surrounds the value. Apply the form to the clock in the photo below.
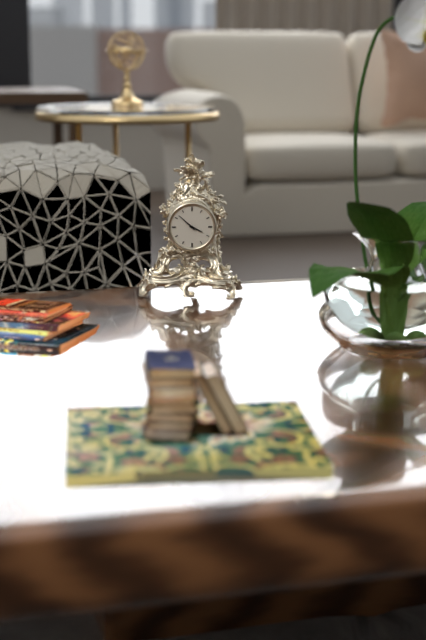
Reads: 3 h 52 min
